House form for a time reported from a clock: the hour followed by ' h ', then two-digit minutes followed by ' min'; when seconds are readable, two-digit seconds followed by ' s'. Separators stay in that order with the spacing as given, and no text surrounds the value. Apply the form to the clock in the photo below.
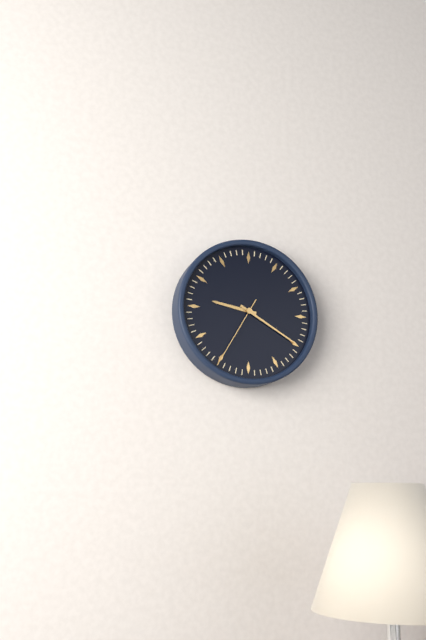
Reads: 9 h 20 min 35 s
